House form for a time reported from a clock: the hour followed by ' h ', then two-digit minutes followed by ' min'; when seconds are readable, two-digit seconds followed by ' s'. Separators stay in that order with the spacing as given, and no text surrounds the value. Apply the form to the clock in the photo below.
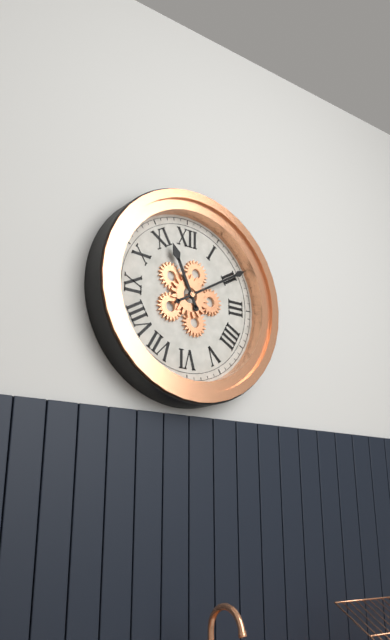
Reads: 11 h 10 min
